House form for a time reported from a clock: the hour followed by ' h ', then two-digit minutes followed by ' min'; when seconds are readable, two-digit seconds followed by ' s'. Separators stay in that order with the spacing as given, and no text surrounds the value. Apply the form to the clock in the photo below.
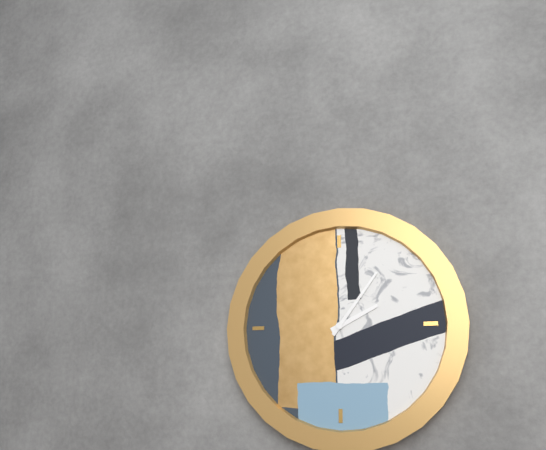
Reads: 2 h 06 min
